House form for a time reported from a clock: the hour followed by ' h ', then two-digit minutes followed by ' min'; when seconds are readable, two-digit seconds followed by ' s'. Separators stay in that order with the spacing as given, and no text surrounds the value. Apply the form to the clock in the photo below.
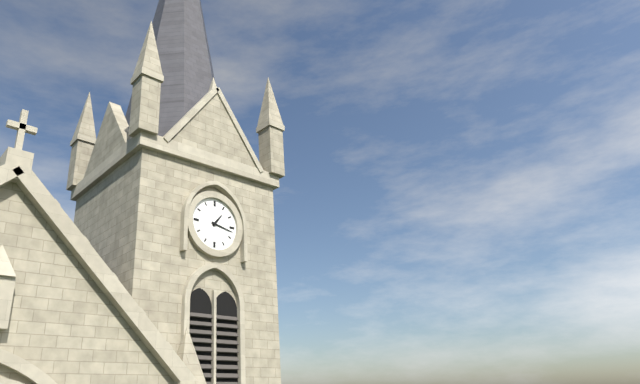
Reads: 1 h 17 min
